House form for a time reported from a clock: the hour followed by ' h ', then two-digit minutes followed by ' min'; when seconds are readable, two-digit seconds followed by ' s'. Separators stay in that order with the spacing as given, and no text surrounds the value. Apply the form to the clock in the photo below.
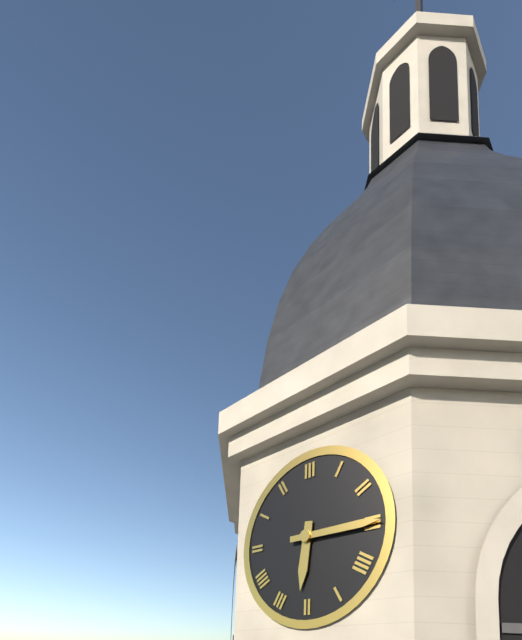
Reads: 6 h 15 min
